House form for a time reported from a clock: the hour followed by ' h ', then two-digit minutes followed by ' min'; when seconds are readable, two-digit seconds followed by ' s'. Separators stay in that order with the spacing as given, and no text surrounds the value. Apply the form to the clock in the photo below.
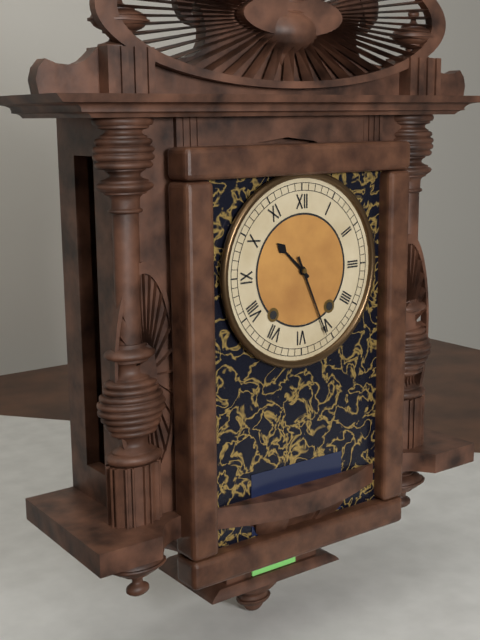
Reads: 10 h 26 min
